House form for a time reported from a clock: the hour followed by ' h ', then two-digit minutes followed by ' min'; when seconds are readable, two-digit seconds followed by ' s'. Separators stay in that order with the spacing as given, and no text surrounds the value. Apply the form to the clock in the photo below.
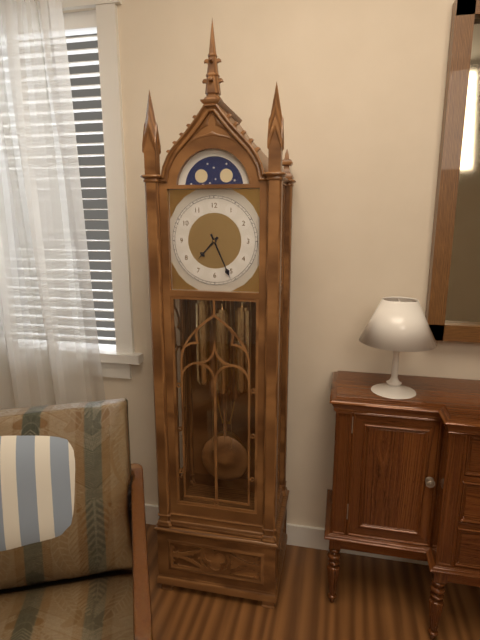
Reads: 7 h 26 min
